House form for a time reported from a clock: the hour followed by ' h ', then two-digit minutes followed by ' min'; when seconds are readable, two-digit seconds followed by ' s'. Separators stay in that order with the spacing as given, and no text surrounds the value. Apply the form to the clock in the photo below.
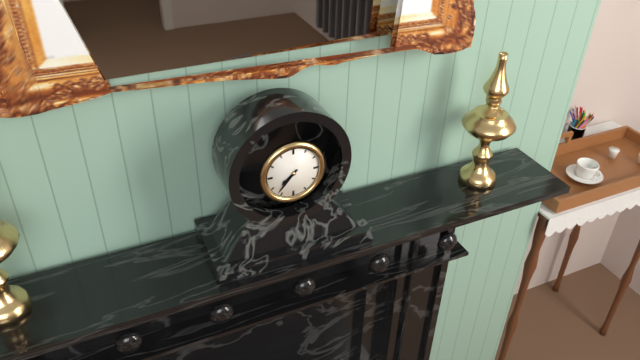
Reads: 7 h 37 min
